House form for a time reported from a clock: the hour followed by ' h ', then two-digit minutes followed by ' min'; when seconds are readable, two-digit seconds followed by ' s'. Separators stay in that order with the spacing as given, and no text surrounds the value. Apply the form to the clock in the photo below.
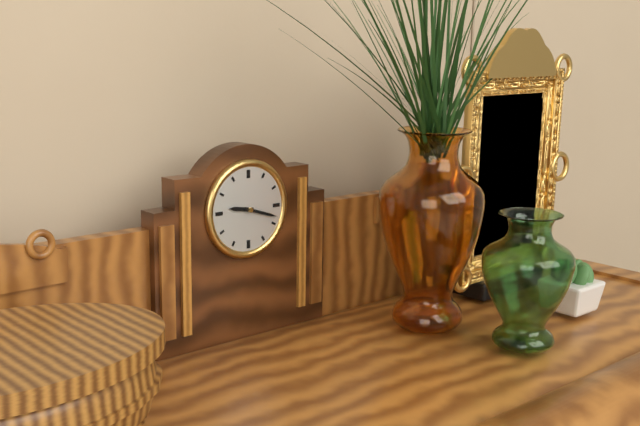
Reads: 9 h 18 min
